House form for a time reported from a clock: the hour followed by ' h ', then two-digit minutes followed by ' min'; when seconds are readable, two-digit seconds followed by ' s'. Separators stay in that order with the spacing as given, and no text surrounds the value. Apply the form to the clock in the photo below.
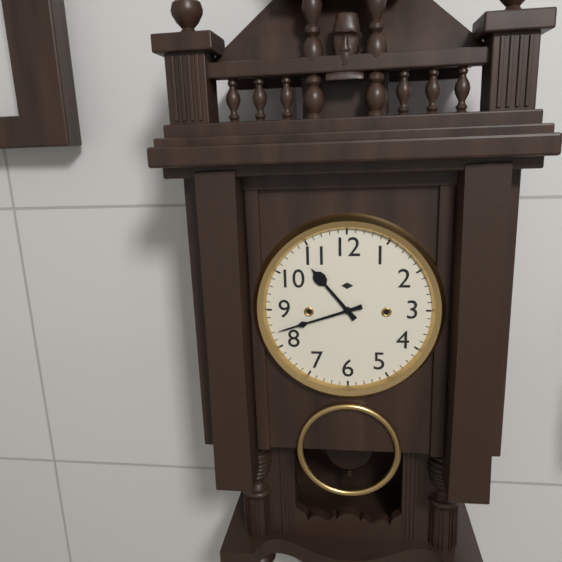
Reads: 10 h 42 min
